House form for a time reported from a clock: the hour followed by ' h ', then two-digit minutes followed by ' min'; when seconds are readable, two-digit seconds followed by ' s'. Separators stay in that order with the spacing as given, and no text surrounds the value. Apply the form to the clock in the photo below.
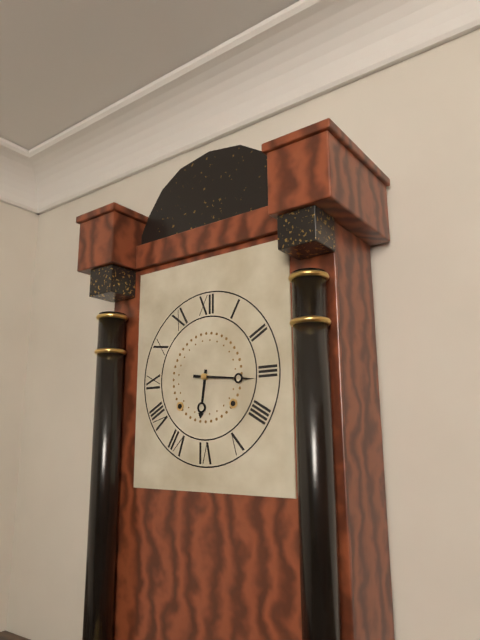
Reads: 6 h 16 min
